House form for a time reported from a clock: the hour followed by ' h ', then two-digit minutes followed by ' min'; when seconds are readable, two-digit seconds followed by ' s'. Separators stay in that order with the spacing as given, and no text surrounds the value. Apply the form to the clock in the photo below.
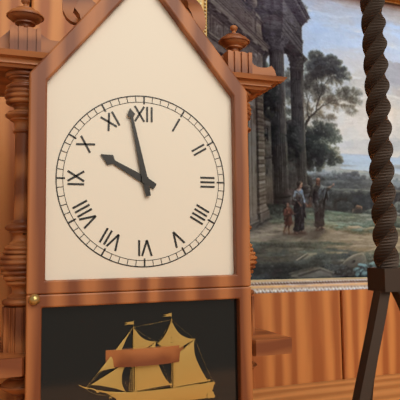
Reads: 9 h 58 min
